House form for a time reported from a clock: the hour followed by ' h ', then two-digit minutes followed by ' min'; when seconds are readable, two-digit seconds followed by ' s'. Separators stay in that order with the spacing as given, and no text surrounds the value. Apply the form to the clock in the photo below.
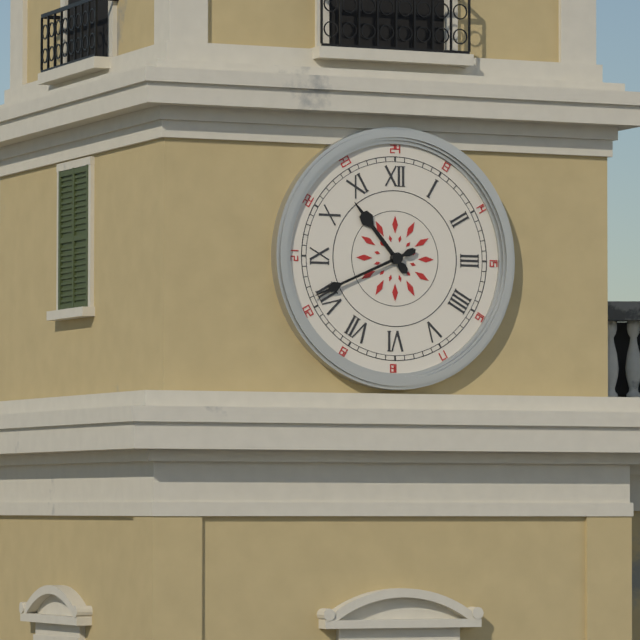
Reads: 10 h 41 min
